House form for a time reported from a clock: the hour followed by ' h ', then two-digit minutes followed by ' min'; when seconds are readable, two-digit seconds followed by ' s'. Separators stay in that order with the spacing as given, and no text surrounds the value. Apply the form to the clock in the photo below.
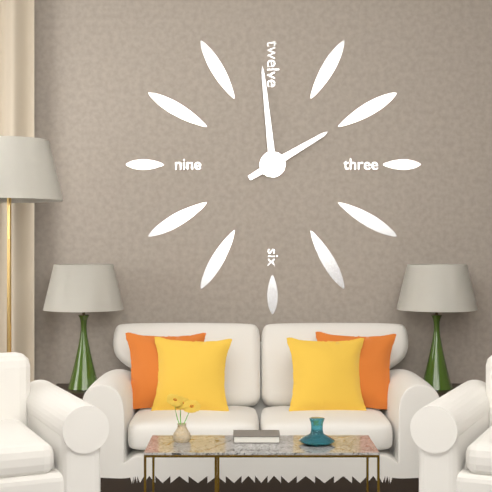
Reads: 1 h 59 min
